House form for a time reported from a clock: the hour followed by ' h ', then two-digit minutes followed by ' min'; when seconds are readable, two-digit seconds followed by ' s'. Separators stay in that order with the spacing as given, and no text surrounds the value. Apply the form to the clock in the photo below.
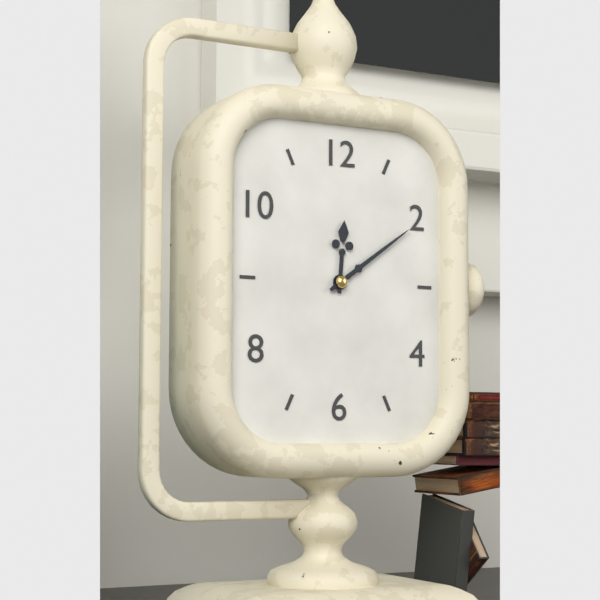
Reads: 12 h 09 min
